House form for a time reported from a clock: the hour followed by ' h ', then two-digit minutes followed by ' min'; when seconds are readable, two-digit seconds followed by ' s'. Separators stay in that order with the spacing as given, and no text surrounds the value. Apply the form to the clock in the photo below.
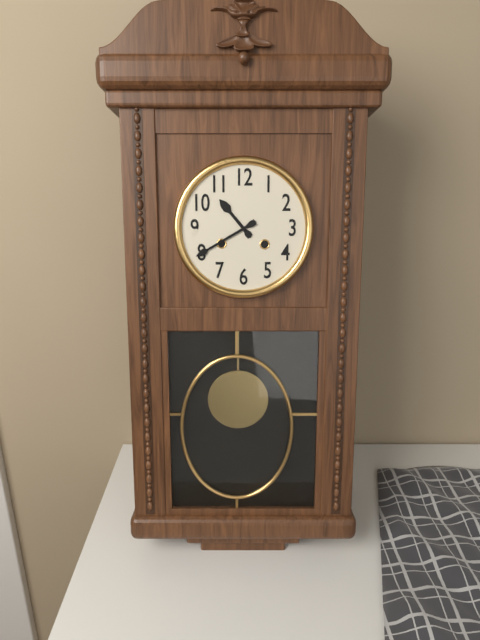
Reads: 10 h 40 min
